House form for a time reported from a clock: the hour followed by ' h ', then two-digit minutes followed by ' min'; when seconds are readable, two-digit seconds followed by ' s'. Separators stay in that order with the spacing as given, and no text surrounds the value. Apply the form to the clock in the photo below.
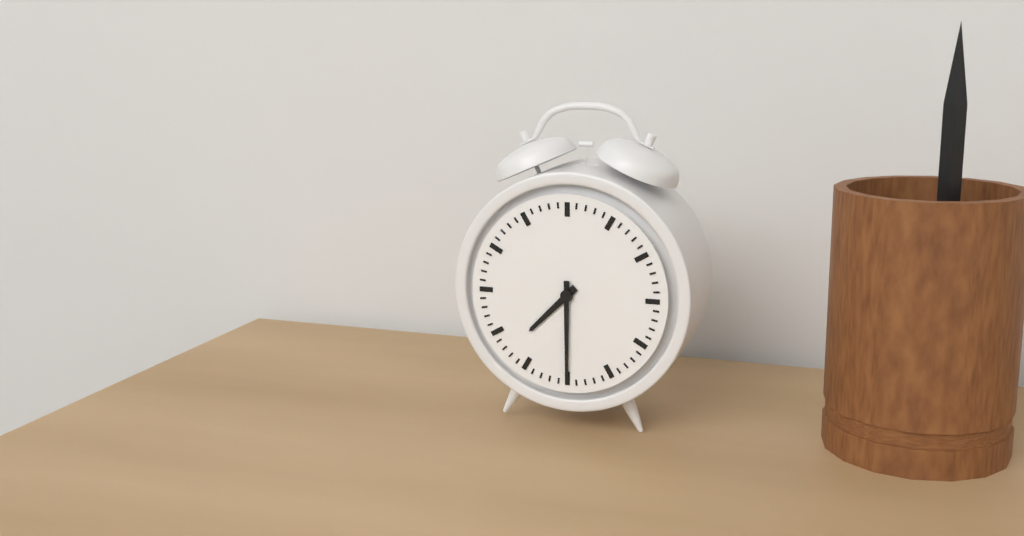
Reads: 7 h 30 min
